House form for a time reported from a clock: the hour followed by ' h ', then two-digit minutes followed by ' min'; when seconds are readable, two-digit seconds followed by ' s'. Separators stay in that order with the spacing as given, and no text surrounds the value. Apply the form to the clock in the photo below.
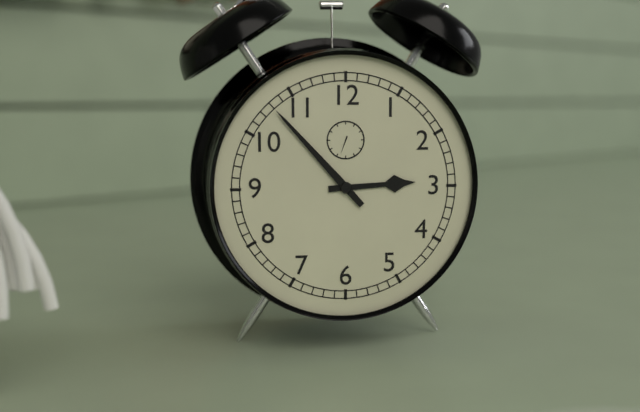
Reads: 2 h 53 min
